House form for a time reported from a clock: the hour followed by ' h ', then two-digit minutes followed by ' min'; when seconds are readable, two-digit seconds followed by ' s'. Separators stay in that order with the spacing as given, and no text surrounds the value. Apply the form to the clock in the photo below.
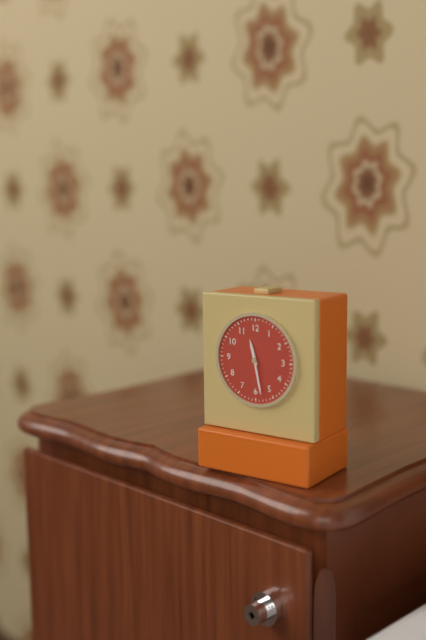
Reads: 11 h 28 min
